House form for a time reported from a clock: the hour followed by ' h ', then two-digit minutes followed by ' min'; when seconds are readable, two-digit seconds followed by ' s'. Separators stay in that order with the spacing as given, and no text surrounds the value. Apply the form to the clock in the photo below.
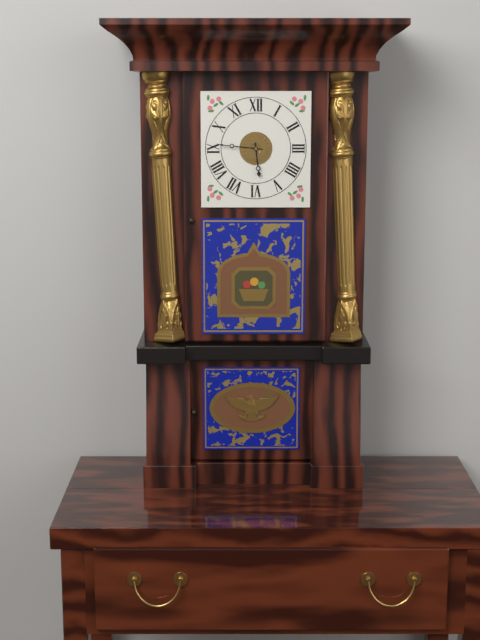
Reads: 5 h 46 min
